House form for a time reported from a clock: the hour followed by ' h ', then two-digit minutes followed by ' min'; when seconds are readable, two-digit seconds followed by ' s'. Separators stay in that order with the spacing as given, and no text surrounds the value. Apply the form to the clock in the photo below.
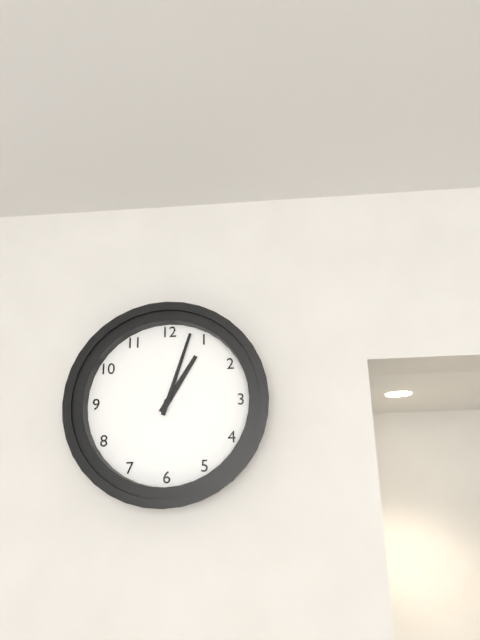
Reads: 1 h 03 min
